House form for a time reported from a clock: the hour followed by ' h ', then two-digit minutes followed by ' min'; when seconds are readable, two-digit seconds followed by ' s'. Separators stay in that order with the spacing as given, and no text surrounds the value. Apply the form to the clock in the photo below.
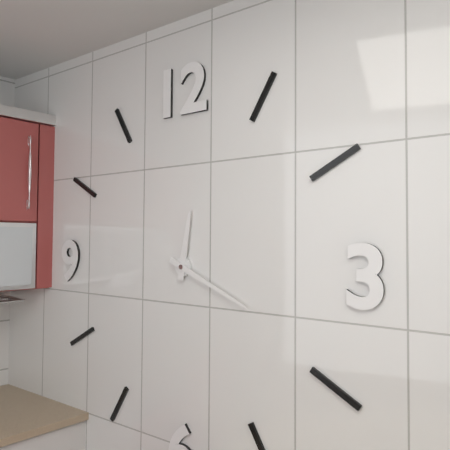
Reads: 12 h 19 min
